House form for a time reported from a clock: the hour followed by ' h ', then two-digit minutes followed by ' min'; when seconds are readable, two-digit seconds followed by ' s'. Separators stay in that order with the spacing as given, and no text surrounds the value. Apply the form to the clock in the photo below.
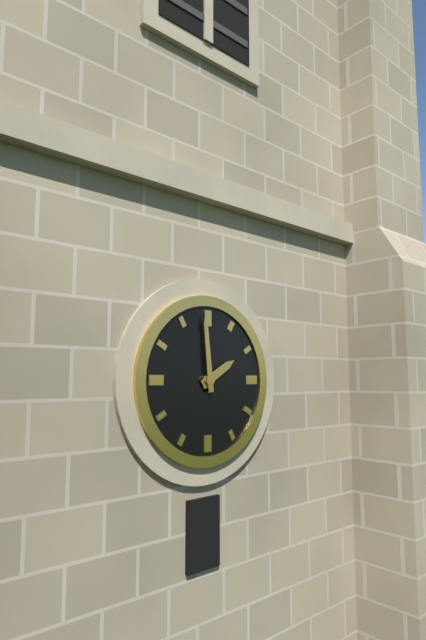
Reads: 1 h 59 min
